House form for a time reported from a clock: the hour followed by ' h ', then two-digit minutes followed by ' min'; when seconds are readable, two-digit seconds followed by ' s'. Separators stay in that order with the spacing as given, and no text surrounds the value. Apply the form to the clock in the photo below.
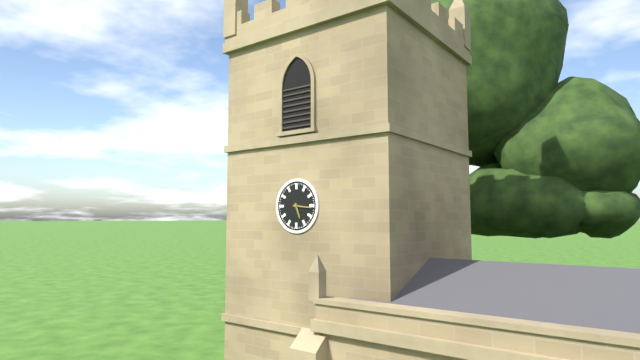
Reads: 5 h 16 min
